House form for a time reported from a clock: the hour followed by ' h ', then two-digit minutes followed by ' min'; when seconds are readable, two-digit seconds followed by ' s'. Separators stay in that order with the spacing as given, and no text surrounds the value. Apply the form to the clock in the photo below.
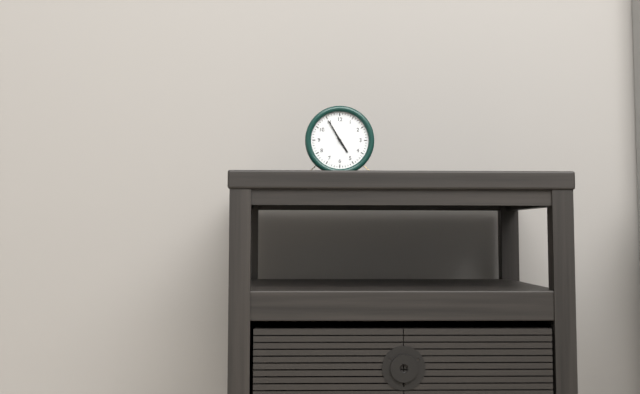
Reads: 4 h 55 min
